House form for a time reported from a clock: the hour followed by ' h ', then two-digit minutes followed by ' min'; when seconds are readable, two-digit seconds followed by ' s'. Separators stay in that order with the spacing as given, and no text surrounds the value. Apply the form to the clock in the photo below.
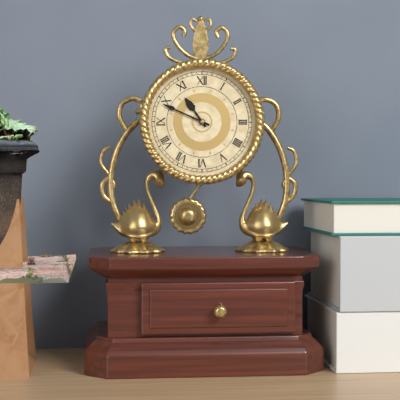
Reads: 10 h 49 min
